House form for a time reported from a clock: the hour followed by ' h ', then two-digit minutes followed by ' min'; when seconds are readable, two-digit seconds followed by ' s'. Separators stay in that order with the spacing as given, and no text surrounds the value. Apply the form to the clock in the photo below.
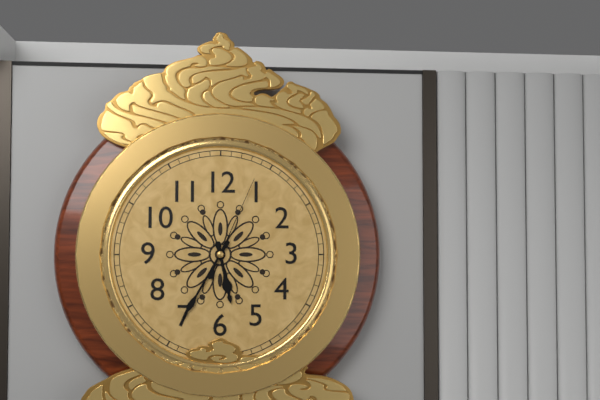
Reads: 5 h 35 min 04 s
